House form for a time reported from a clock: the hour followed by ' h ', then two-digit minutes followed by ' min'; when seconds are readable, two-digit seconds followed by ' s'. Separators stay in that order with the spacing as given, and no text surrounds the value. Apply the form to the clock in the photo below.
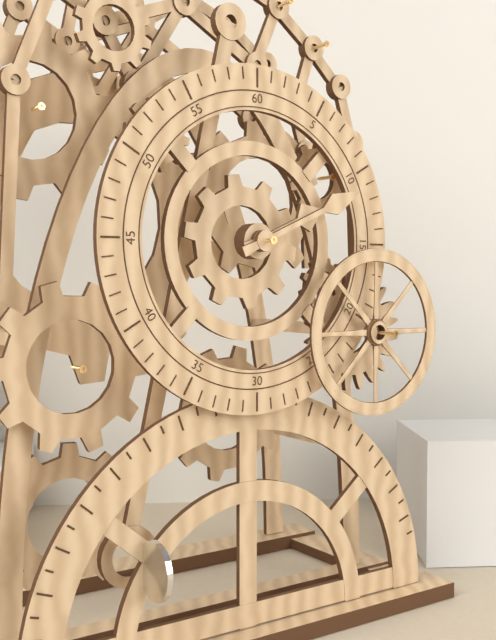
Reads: 2 h 11 min
